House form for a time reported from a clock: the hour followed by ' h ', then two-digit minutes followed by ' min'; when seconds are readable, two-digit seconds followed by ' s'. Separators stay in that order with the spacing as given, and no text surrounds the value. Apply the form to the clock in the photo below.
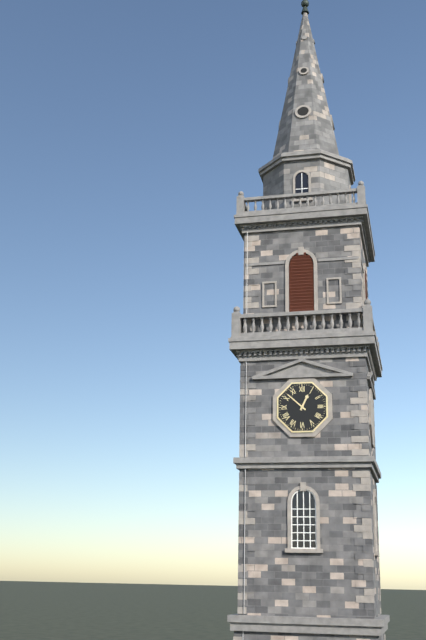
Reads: 12 h 52 min
